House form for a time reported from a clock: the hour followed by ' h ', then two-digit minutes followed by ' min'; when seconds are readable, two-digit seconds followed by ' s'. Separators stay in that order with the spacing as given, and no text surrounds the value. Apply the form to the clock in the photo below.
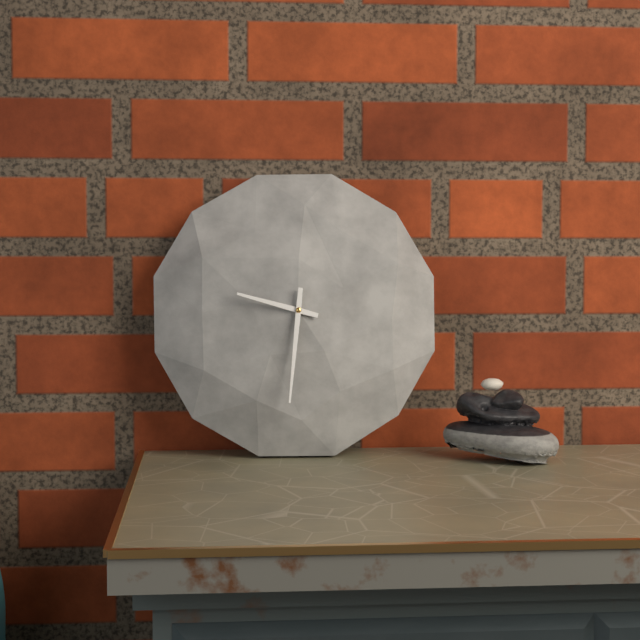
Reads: 9 h 31 min
